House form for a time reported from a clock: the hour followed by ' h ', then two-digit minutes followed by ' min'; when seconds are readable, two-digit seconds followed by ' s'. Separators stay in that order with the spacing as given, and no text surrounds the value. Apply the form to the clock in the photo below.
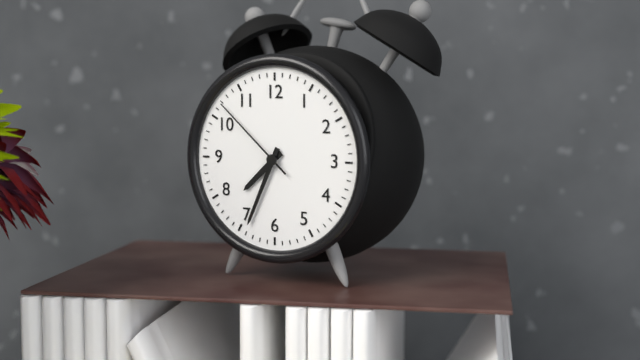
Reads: 7 h 34 min 52 s
